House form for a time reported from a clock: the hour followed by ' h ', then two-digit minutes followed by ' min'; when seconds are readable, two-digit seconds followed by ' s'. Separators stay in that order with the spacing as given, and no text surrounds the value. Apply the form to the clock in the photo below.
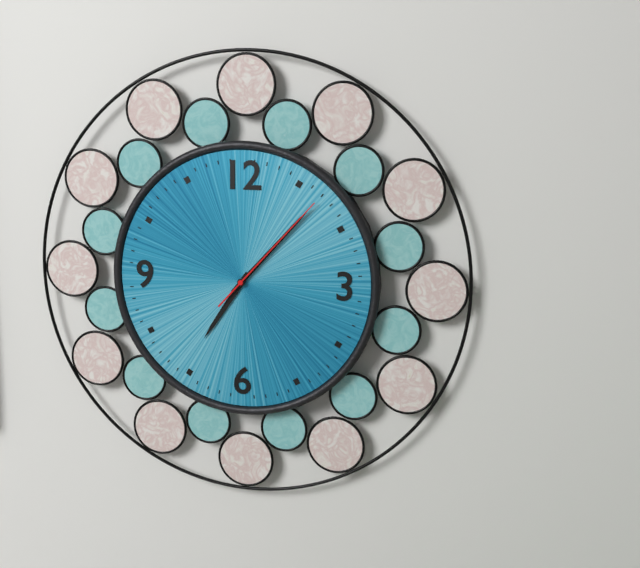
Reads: 7 h 07 min 07 s
